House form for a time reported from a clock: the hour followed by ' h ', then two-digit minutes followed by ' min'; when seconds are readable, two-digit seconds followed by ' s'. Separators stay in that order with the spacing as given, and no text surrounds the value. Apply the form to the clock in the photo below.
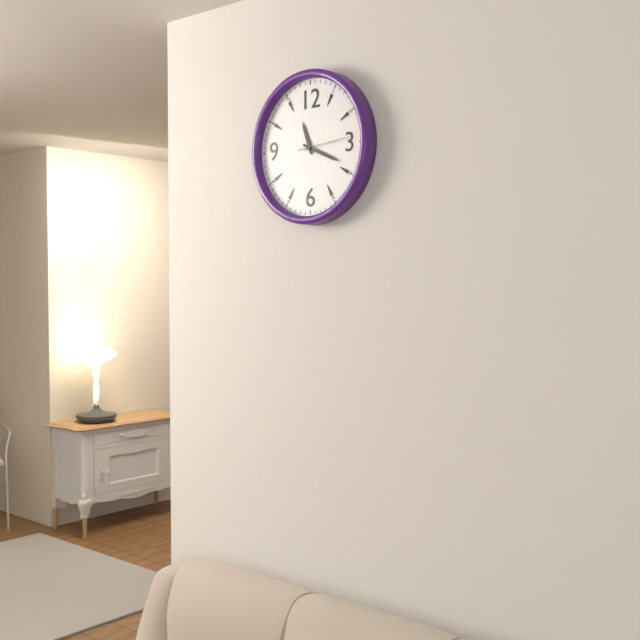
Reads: 11 h 19 min
